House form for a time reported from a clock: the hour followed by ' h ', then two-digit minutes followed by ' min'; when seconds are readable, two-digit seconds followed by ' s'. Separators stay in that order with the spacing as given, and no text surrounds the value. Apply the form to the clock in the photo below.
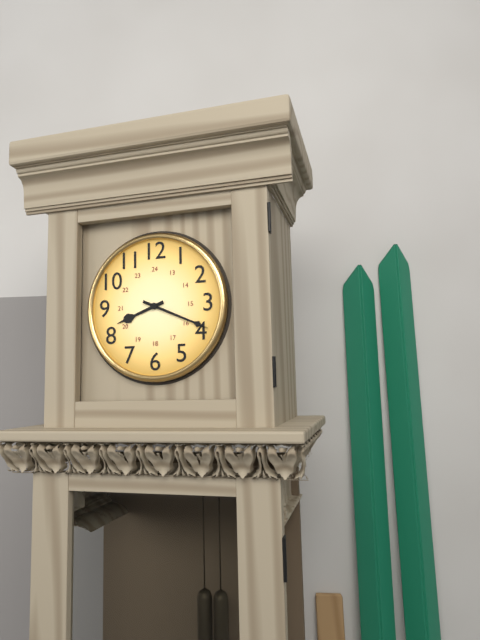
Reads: 8 h 19 min
